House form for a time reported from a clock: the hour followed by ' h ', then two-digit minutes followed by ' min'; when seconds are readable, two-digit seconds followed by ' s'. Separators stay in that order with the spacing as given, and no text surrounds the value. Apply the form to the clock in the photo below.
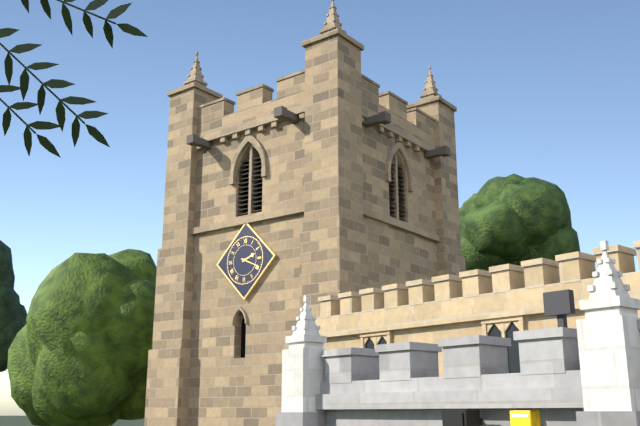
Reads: 2 h 19 min
